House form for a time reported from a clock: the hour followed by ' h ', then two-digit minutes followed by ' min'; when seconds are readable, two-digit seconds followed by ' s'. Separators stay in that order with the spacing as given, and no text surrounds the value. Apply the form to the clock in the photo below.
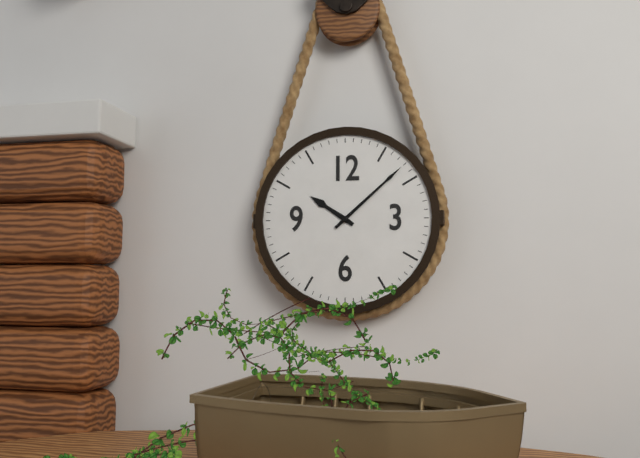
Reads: 10 h 08 min
